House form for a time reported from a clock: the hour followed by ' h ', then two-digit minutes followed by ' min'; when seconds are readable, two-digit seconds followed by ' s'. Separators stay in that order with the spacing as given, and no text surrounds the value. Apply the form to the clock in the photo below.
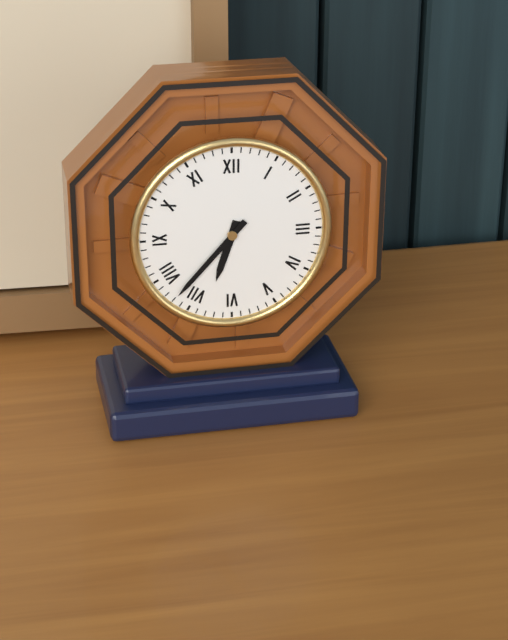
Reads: 6 h 37 min
